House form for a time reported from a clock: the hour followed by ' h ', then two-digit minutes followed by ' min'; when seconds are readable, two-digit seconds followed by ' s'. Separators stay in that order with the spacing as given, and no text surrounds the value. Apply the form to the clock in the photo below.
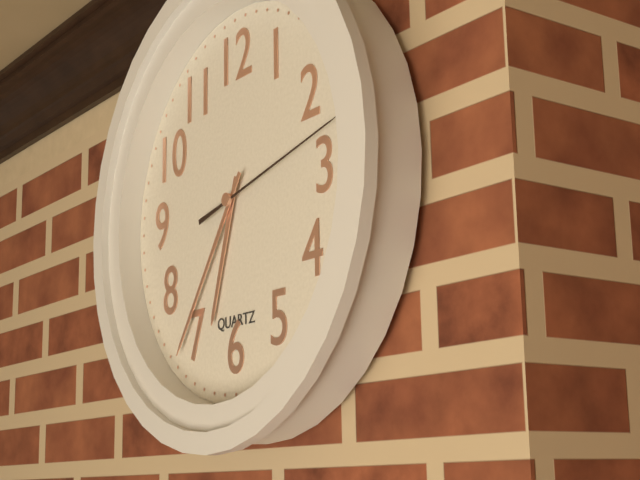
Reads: 6 h 36 min 13 s
